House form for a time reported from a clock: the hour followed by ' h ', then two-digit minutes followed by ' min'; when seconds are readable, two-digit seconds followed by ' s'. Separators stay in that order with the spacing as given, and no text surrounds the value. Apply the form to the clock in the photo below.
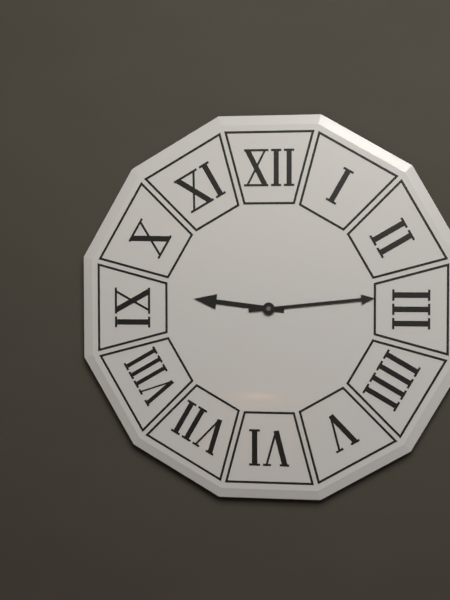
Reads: 9 h 14 min
